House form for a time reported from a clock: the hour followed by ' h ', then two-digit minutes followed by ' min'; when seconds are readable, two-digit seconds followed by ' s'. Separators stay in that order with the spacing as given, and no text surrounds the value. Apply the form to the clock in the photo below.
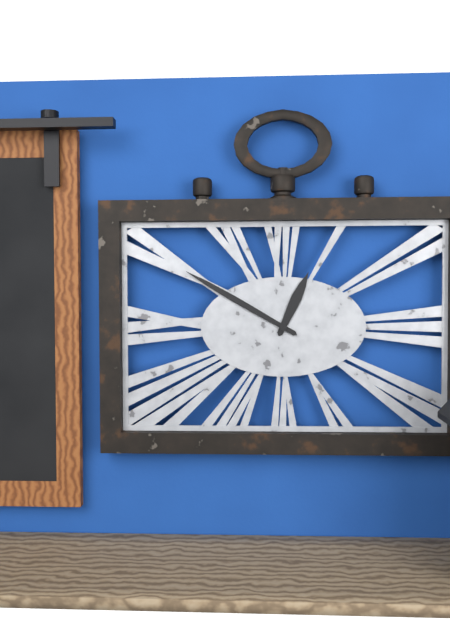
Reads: 12 h 50 min
